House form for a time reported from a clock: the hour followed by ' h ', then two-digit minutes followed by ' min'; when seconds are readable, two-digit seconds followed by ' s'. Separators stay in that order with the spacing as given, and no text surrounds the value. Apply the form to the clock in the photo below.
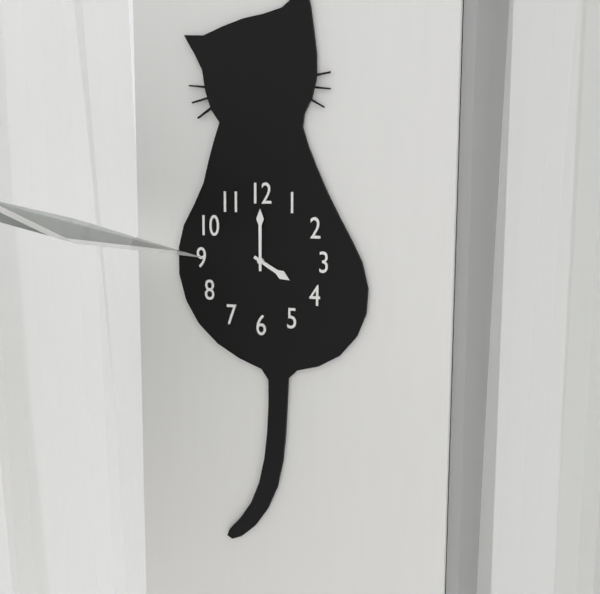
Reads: 4 h 00 min
